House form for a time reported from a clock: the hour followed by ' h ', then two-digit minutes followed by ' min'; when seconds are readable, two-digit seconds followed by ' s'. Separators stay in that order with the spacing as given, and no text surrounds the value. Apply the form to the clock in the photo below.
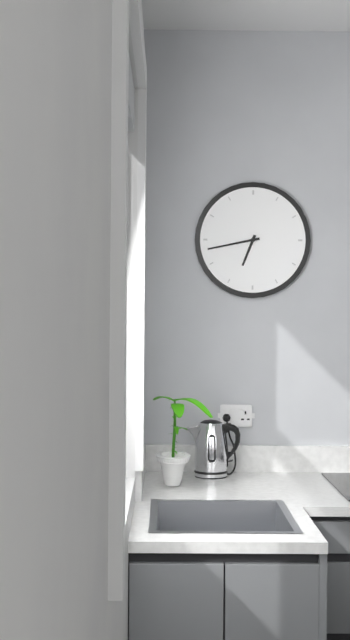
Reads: 6 h 43 min
